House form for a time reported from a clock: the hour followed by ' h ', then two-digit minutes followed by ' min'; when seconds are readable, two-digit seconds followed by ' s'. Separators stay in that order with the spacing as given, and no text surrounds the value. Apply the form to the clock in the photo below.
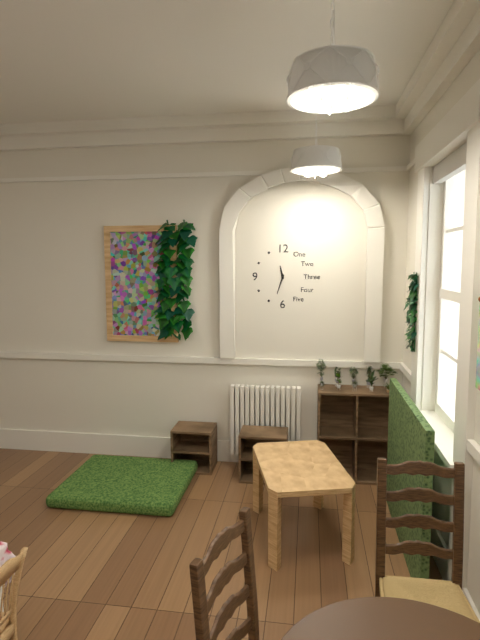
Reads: 11 h 33 min
